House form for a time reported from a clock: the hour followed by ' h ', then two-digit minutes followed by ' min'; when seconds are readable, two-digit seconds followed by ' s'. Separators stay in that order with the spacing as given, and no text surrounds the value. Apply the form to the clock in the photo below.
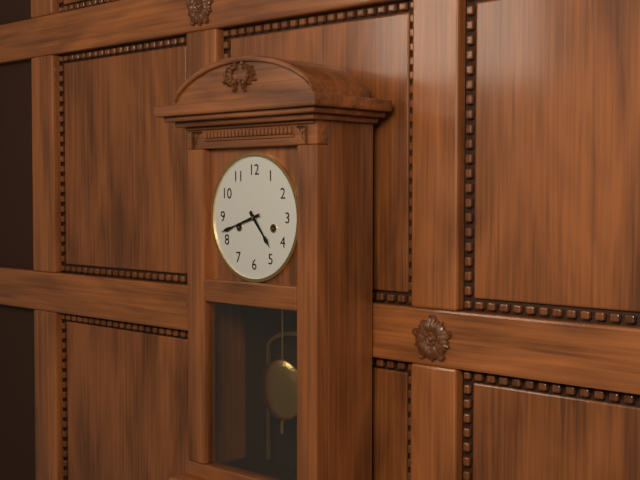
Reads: 4 h 42 min
